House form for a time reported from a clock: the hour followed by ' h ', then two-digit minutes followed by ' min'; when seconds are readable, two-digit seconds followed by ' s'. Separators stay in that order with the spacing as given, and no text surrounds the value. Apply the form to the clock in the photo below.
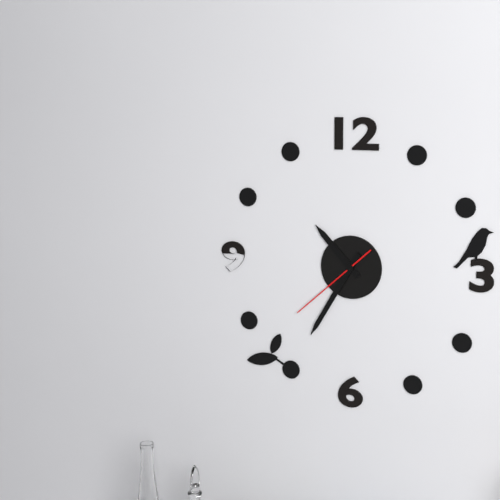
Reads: 10 h 35 min
